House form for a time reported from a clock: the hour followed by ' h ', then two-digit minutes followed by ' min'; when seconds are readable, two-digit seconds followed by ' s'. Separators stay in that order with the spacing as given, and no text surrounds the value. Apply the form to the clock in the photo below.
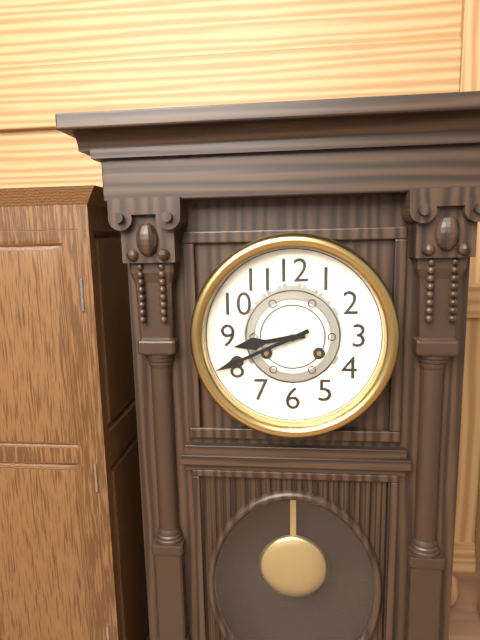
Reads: 8 h 41 min
